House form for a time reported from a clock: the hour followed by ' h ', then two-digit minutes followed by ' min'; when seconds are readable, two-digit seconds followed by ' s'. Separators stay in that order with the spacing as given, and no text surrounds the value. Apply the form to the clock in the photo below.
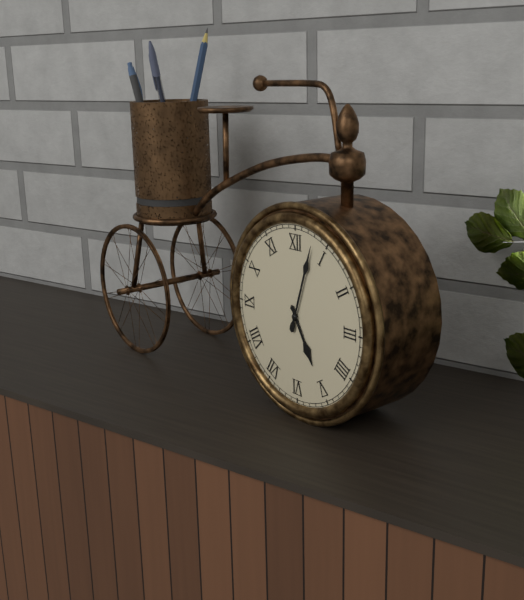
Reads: 5 h 03 min
